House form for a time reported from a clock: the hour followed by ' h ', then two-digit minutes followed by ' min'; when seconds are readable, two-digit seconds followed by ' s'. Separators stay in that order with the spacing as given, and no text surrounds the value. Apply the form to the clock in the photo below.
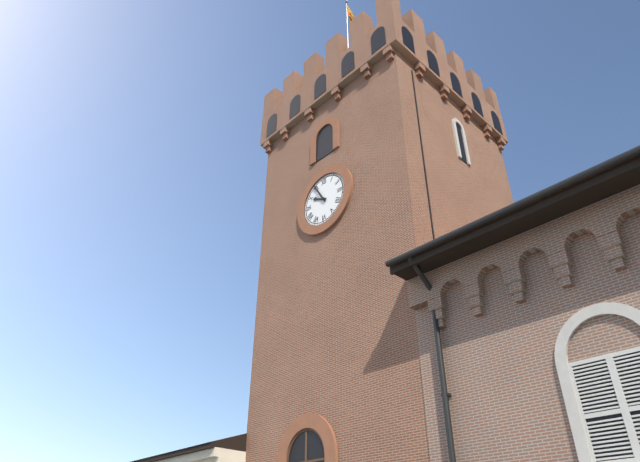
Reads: 9 h 55 min
